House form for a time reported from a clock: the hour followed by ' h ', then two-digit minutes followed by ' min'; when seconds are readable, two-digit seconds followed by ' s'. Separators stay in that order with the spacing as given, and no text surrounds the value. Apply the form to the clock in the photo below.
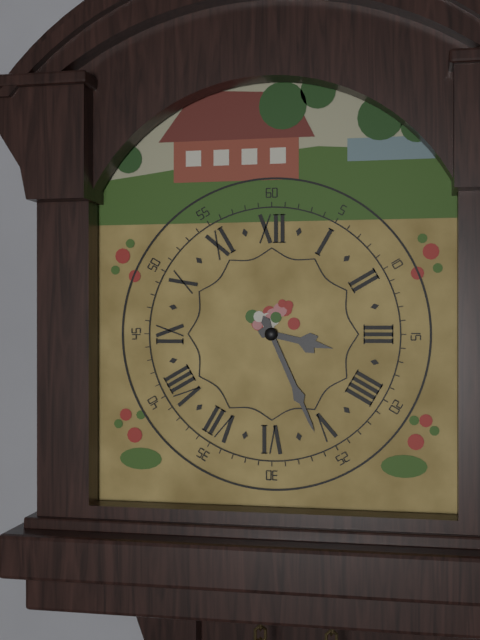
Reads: 3 h 26 min
